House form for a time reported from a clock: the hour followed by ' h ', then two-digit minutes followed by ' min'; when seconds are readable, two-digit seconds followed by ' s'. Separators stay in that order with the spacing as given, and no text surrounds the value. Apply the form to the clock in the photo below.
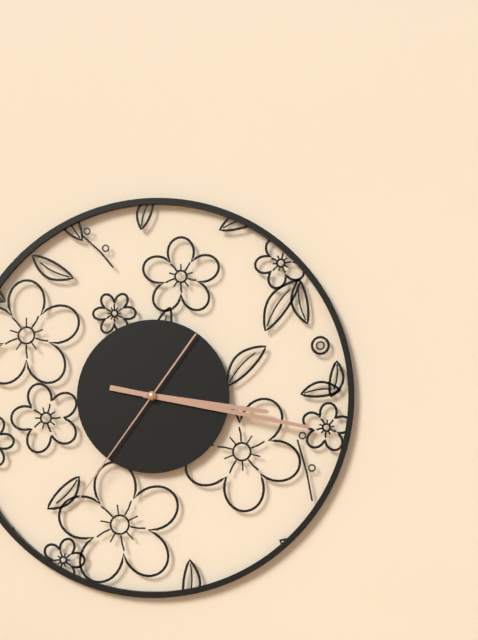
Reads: 3 h 17 min 36 s
